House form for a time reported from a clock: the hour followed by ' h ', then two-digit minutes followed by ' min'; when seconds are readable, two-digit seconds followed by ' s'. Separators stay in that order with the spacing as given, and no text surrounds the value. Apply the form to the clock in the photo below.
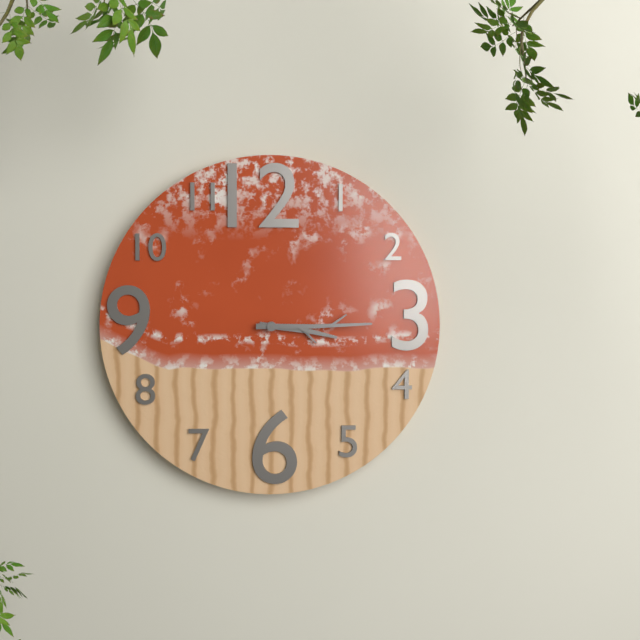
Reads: 3 h 15 min
